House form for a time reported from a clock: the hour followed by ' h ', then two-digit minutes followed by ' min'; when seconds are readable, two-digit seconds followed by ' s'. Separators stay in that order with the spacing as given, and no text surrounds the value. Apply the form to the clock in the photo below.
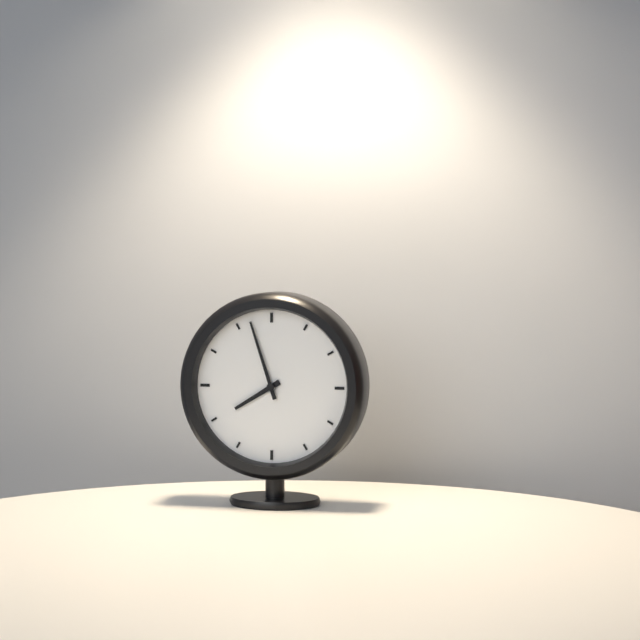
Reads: 7 h 57 min
